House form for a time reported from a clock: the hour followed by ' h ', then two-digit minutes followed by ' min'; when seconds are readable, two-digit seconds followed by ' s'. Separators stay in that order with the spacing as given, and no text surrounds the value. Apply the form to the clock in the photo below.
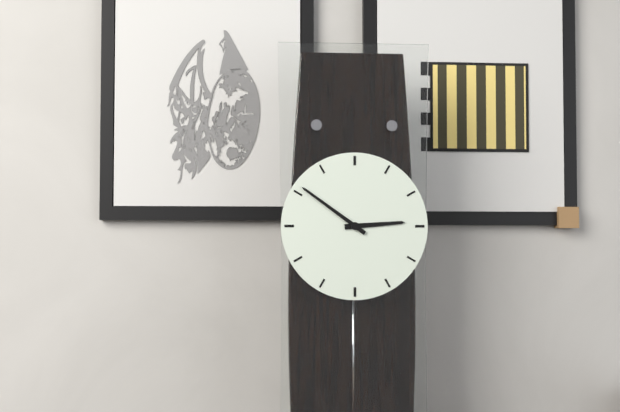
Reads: 2 h 51 min
